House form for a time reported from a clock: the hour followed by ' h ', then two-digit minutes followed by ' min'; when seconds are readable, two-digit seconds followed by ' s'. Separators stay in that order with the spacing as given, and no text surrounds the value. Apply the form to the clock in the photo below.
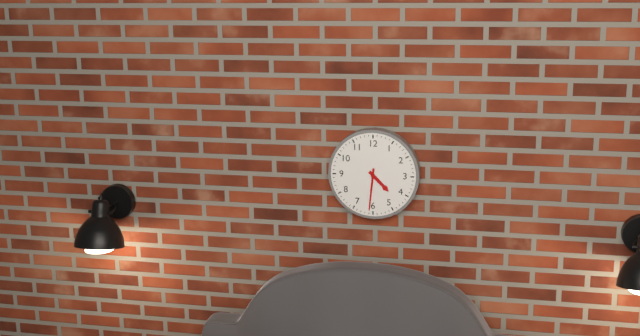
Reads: 4 h 31 min
